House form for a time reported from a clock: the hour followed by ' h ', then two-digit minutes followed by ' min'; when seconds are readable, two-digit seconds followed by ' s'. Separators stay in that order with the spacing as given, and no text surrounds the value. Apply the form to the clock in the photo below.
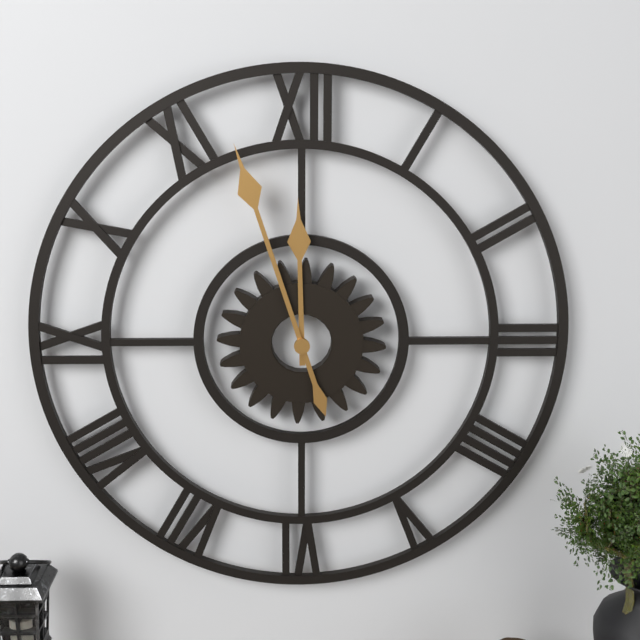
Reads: 11 h 57 min
